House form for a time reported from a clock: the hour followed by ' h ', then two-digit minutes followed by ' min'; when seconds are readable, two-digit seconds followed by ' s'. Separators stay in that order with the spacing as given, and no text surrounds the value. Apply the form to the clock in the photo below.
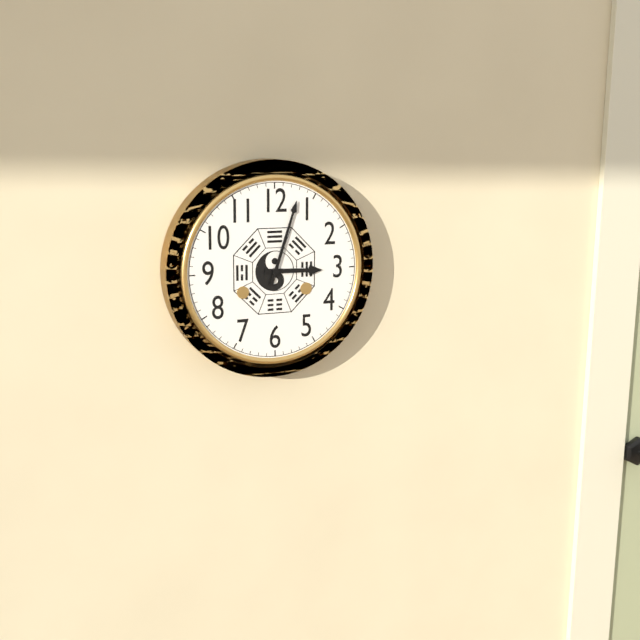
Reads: 3 h 03 min
